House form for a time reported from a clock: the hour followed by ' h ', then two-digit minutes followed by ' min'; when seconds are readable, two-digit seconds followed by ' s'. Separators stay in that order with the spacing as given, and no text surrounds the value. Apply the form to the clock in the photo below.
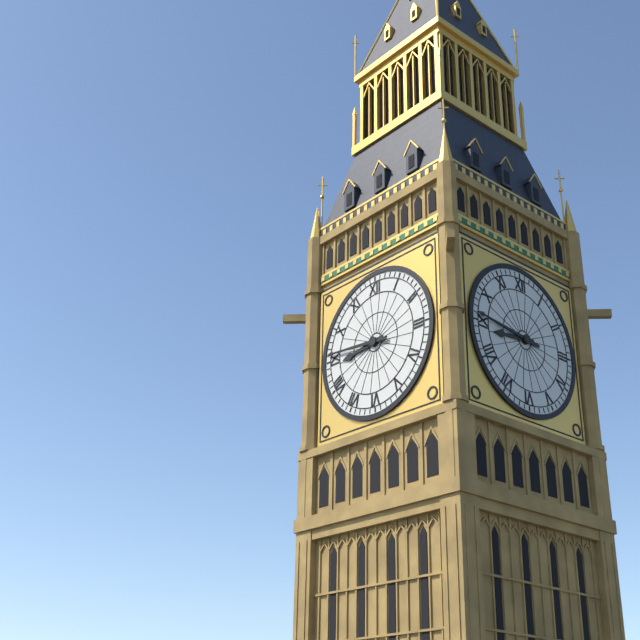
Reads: 8 h 46 min
